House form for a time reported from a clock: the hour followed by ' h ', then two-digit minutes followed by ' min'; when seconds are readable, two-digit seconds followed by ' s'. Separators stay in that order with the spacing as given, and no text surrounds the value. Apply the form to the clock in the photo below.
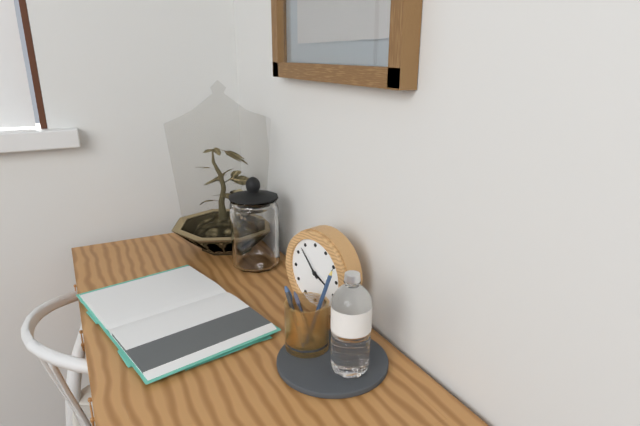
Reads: 3 h 53 min
